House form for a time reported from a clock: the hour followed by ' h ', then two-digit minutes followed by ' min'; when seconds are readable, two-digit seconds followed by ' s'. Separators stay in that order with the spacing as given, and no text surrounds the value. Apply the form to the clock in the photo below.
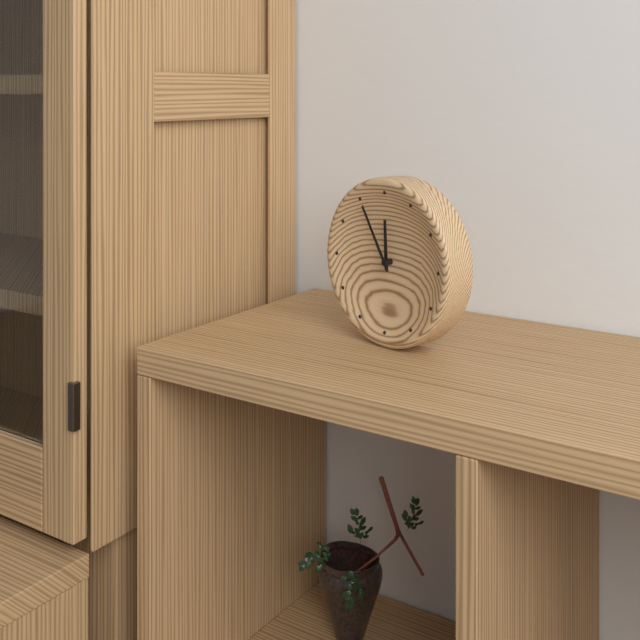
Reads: 11 h 55 min
